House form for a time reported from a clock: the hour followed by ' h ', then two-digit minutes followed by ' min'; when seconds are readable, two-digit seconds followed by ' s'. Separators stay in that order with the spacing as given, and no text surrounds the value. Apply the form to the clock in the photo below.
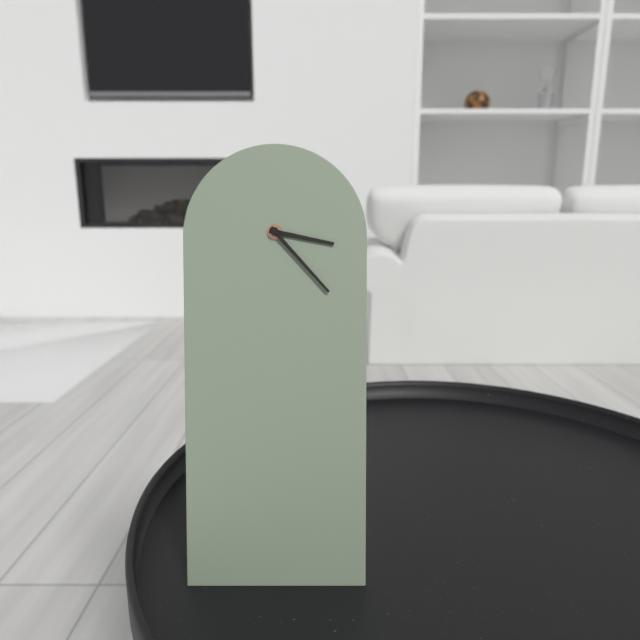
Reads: 3 h 23 min
